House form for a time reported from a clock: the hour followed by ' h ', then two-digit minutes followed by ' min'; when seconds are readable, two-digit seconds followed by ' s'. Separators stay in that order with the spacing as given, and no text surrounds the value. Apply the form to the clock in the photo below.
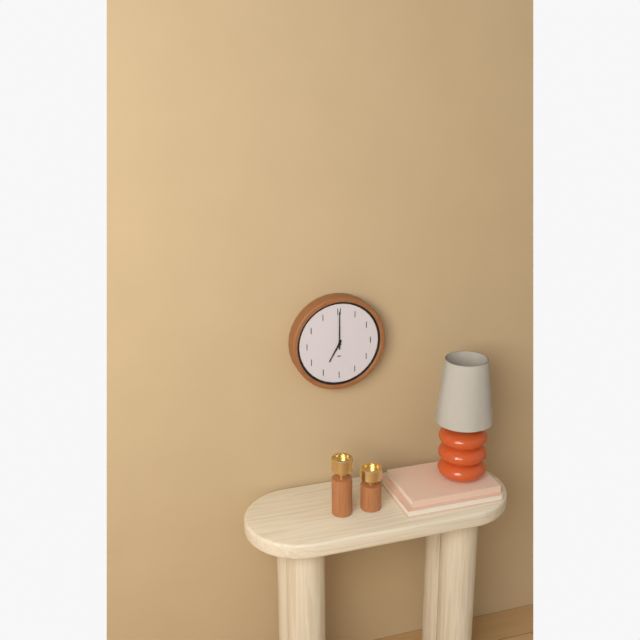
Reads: 7 h 00 min
